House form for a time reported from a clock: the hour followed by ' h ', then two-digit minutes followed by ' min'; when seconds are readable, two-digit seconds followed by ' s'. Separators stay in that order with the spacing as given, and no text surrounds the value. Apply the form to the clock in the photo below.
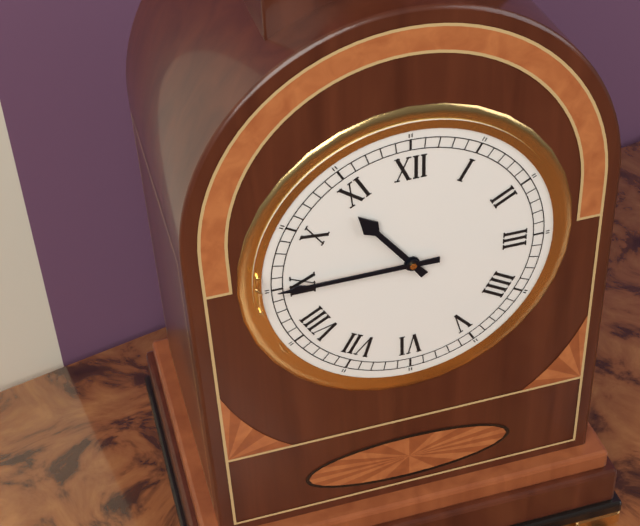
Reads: 10 h 45 min
